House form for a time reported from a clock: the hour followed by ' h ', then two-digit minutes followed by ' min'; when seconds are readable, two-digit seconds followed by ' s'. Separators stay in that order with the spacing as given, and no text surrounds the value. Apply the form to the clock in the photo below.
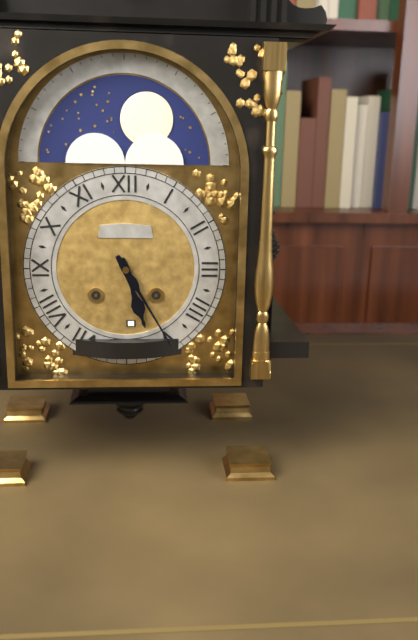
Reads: 5 h 25 min
